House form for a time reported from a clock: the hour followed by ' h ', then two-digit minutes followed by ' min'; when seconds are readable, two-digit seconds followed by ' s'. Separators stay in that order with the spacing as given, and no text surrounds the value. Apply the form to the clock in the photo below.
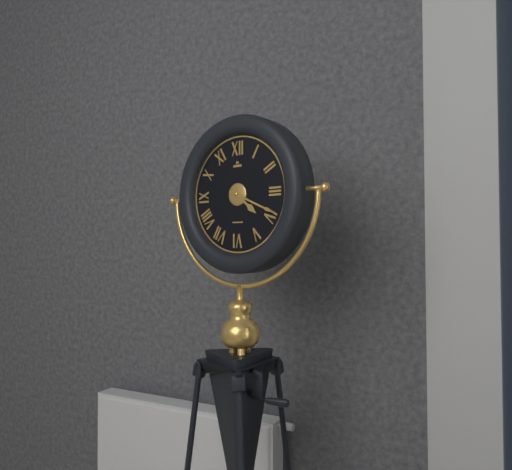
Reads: 4 h 19 min
